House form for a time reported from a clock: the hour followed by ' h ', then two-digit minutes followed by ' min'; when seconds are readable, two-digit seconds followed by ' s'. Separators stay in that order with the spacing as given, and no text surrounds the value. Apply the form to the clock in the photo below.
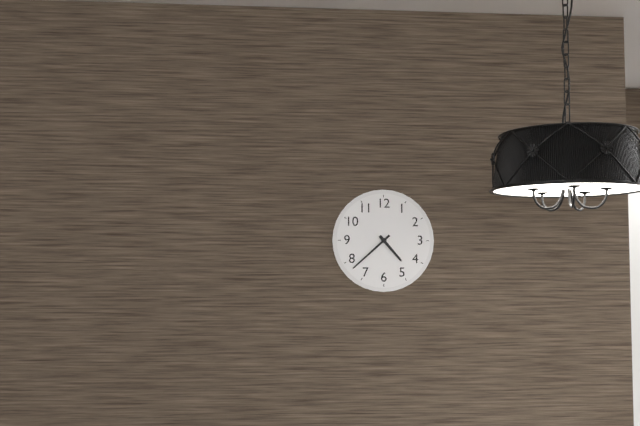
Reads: 4 h 38 min
